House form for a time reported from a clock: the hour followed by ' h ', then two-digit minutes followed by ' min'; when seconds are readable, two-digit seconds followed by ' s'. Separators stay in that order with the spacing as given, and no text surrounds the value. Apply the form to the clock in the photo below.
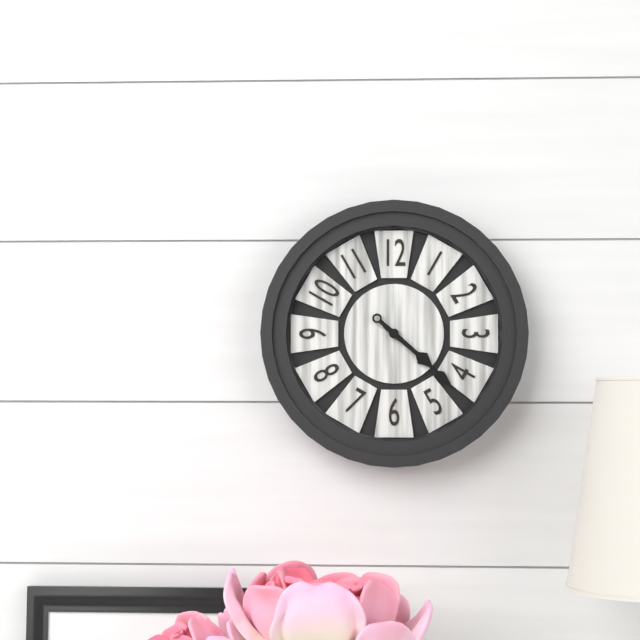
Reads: 4 h 22 min
